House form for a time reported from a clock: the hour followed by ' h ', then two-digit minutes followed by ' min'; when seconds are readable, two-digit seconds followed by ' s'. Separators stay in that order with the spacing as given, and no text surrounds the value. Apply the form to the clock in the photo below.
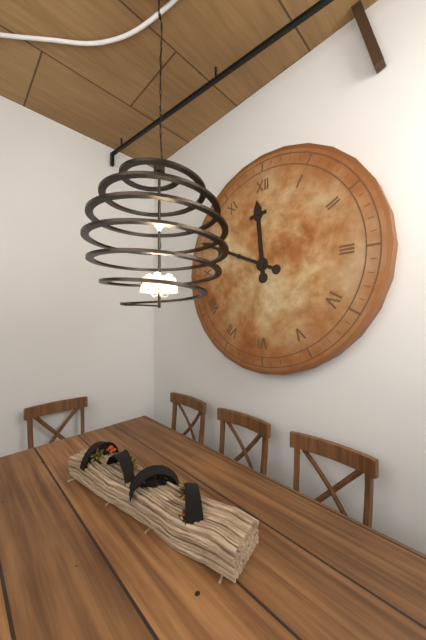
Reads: 11 h 49 min
